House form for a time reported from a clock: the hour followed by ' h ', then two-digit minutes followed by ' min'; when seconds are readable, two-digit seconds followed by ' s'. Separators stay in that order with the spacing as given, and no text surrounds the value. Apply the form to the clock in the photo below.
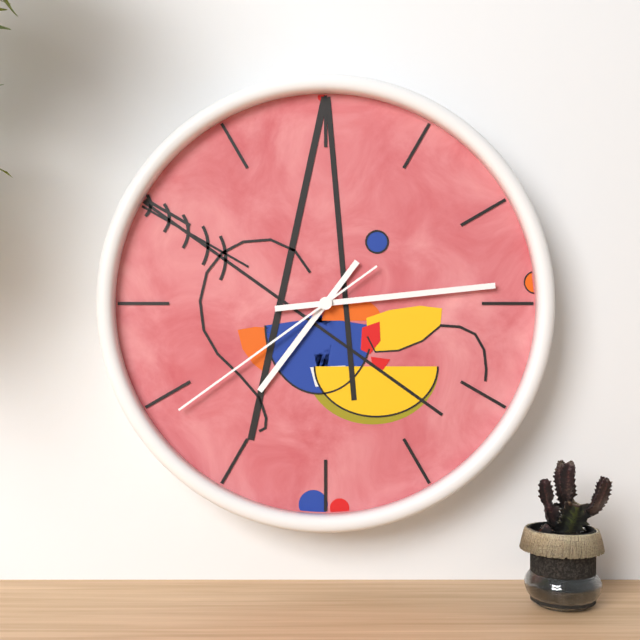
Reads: 7 h 14 min 39 s
